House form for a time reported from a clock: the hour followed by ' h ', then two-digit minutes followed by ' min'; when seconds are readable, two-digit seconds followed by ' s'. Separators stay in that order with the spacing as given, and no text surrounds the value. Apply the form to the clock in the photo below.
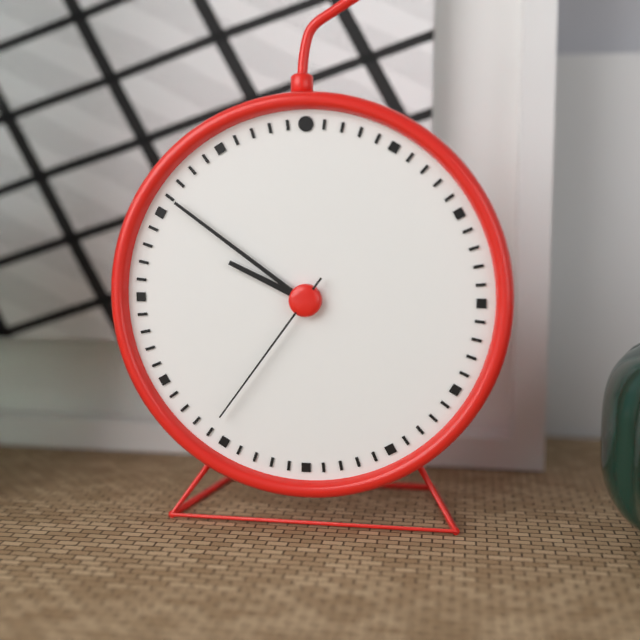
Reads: 9 h 51 min 36 s
